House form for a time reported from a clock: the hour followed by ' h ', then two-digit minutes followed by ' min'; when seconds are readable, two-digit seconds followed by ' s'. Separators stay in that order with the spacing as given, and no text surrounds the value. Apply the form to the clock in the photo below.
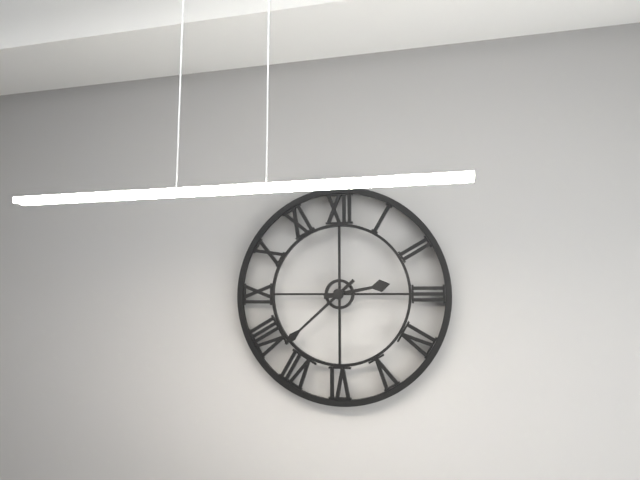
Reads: 2 h 38 min
